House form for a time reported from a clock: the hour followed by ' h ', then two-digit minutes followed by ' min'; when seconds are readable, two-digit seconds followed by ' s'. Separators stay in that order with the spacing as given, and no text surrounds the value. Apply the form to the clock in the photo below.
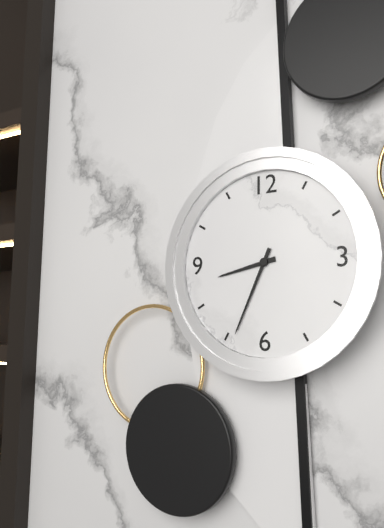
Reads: 8 h 34 min
